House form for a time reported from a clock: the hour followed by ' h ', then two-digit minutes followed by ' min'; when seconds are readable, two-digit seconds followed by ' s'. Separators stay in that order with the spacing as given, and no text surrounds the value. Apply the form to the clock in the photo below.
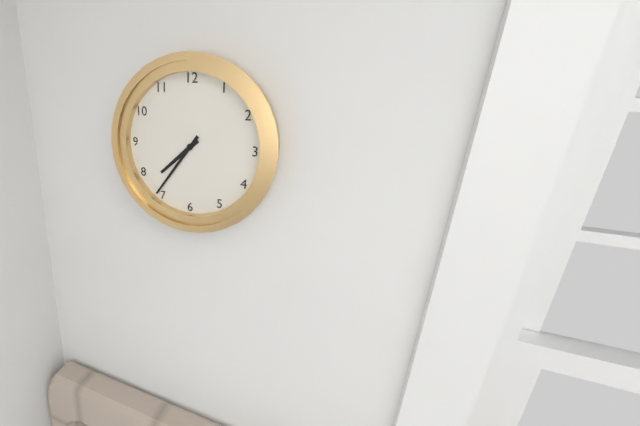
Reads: 7 h 36 min
